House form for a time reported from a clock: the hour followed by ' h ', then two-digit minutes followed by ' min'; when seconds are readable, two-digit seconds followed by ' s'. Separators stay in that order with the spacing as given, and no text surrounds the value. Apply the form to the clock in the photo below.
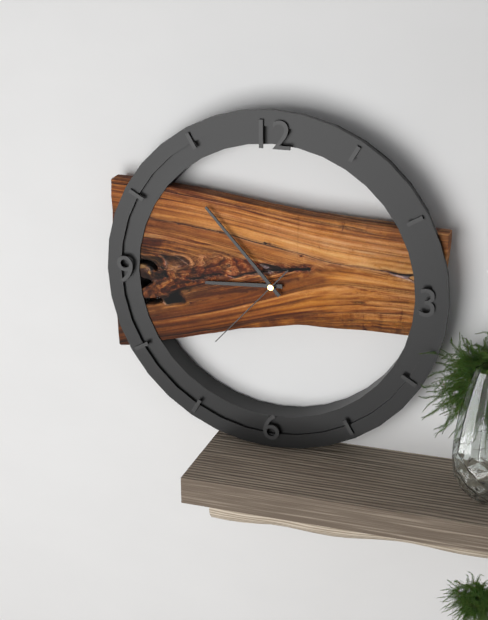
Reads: 8 h 53 min 37 s
